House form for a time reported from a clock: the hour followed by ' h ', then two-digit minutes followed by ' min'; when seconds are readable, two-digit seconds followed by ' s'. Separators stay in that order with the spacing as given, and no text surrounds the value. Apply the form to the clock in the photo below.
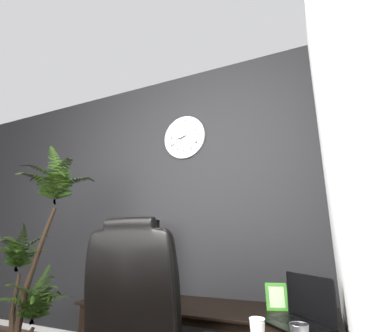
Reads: 8 h 40 min
